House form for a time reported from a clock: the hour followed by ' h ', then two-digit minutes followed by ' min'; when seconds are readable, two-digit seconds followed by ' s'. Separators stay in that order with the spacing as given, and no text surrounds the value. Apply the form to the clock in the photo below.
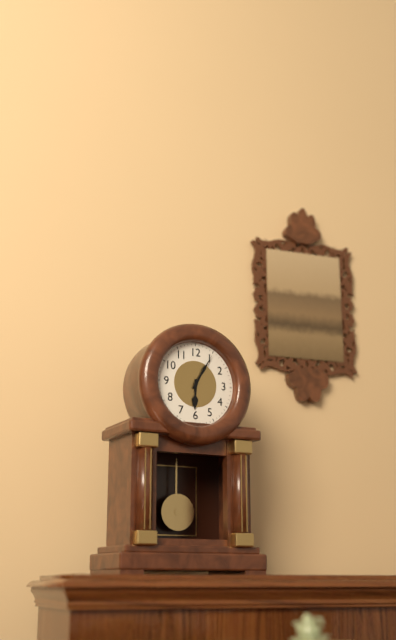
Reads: 6 h 05 min
